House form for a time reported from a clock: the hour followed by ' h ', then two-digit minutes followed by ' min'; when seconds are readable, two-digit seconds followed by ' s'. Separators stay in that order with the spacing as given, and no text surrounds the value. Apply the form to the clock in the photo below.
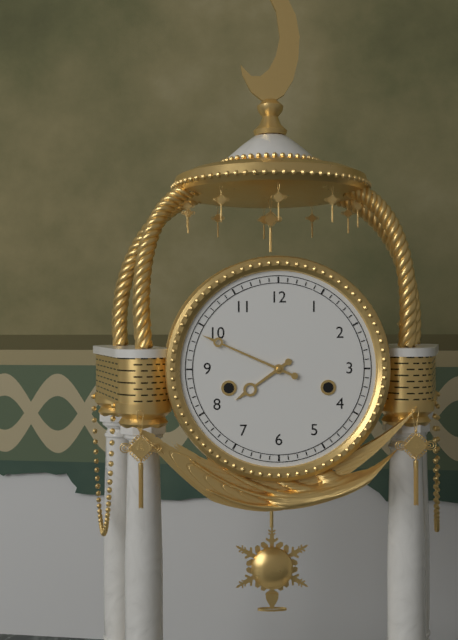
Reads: 7 h 49 min
